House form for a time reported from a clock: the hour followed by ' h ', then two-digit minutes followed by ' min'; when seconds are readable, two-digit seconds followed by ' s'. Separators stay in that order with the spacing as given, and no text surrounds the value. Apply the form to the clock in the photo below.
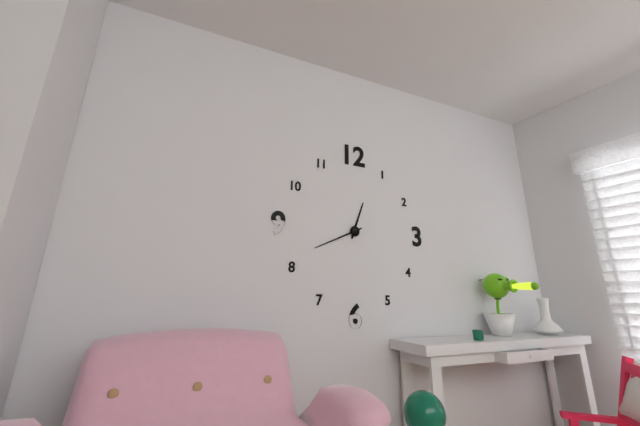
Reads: 12 h 41 min
